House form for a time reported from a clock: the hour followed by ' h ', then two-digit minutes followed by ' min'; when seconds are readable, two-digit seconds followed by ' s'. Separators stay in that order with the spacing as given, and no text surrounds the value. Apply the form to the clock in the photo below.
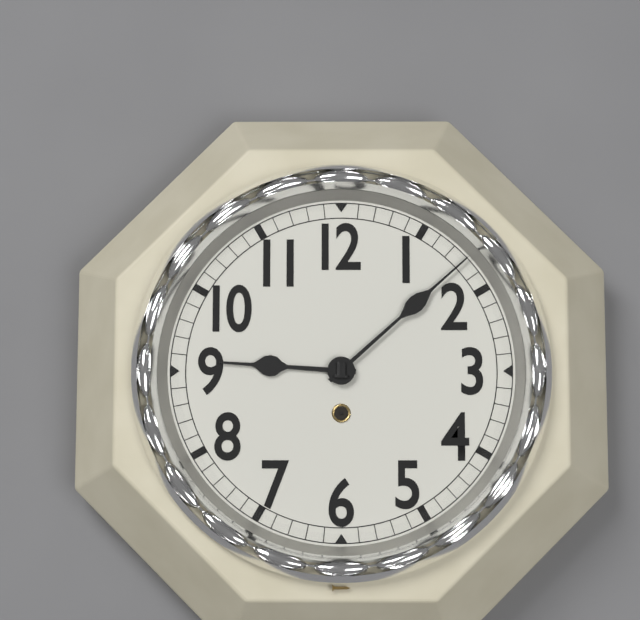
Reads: 9 h 08 min
